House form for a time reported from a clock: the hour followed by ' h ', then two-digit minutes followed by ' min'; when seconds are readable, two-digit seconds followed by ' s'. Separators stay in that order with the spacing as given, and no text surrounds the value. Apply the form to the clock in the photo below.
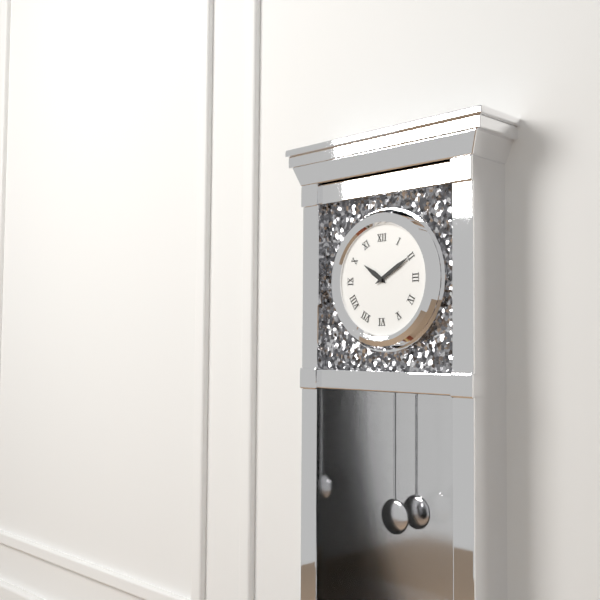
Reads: 10 h 10 min
